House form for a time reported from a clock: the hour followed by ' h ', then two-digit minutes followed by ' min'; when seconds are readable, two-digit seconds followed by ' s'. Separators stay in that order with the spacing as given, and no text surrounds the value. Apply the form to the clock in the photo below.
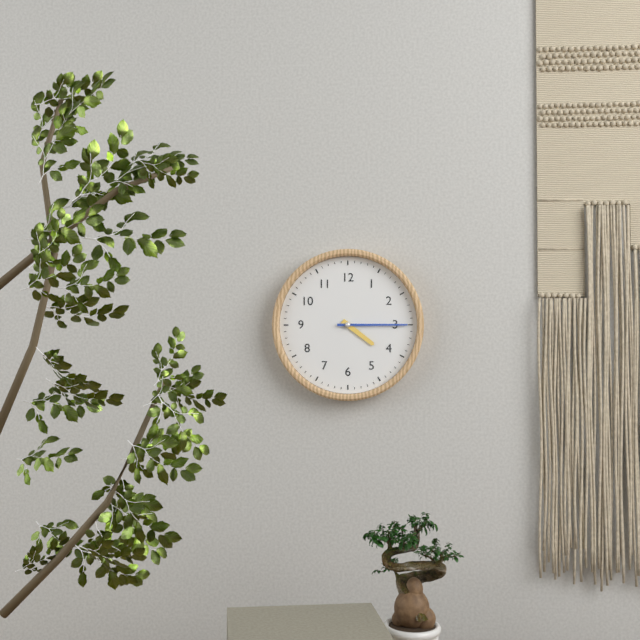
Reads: 4 h 15 min
